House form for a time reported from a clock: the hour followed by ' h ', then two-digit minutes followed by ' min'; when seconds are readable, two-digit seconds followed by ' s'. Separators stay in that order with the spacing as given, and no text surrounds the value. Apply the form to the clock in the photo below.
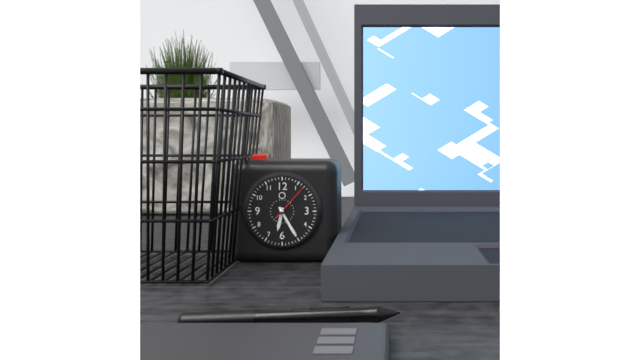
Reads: 6 h 25 min
